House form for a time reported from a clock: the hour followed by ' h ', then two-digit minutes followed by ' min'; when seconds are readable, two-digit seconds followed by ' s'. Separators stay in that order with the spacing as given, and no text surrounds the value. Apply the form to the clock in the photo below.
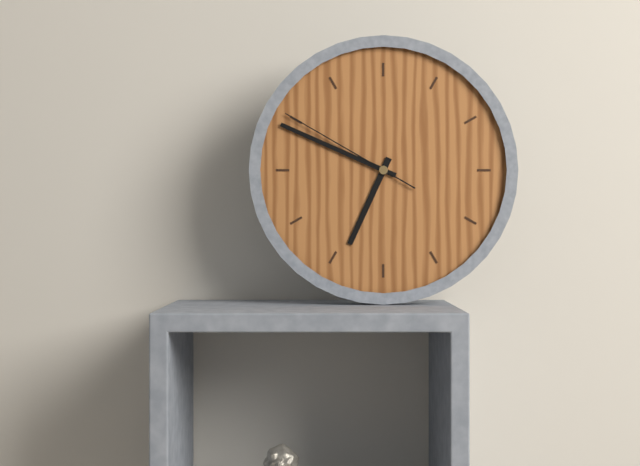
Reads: 6 h 49 min 50 s
